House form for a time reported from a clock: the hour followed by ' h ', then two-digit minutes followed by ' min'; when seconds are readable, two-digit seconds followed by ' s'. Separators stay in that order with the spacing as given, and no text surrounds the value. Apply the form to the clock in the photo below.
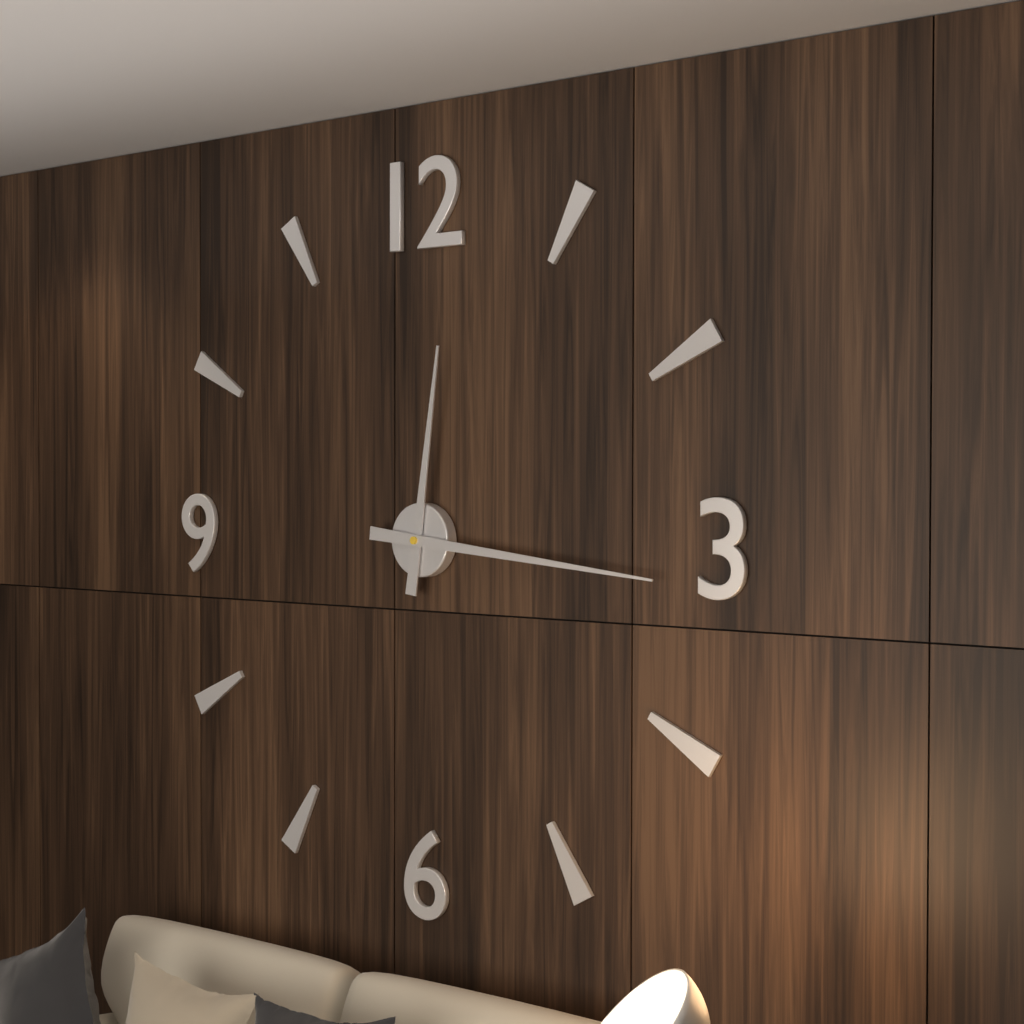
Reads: 12 h 16 min
